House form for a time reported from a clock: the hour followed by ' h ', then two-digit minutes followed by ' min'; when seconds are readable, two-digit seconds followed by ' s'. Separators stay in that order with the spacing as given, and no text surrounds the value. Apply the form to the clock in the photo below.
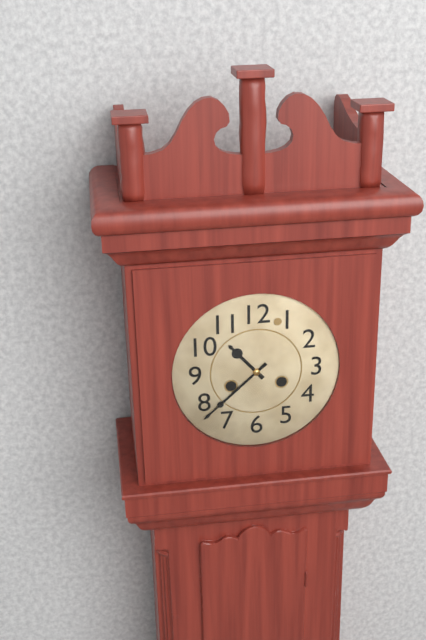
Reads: 10 h 38 min
